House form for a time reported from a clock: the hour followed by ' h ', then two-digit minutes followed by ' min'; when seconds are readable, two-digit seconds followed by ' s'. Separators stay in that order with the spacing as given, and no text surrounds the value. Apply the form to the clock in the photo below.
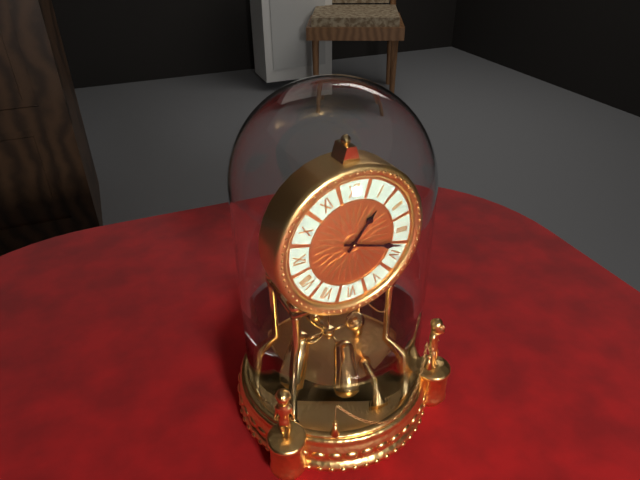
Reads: 1 h 18 min
